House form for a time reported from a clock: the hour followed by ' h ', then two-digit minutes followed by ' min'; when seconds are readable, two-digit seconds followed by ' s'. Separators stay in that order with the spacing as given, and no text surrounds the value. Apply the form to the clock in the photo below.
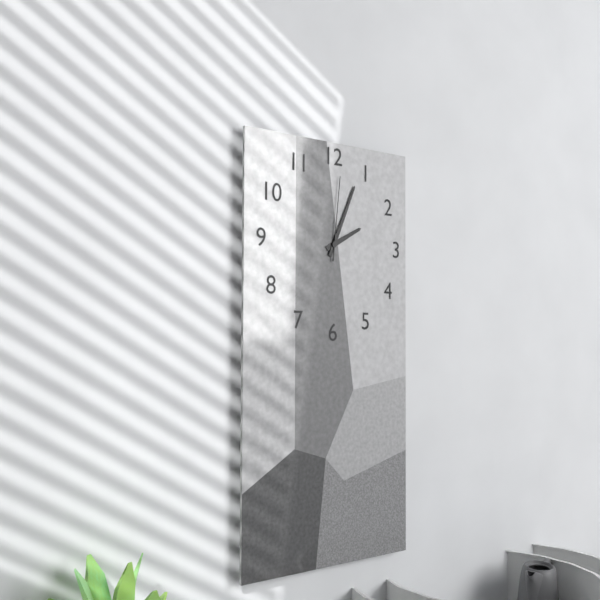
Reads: 2 h 04 min 01 s
